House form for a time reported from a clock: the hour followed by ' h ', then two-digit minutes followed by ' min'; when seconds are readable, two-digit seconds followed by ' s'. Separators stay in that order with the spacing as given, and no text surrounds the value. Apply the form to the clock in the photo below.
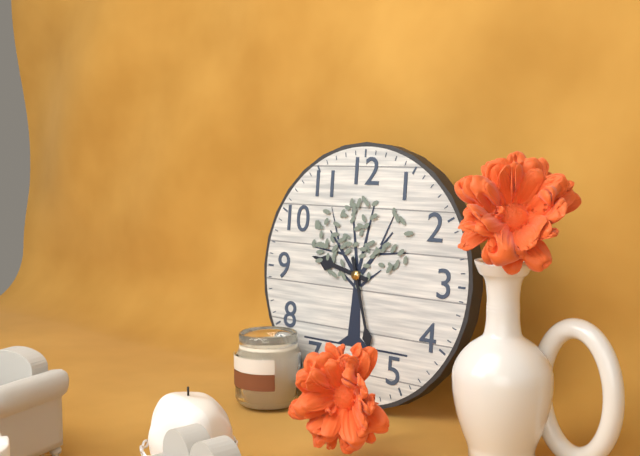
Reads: 9 h 27 min
